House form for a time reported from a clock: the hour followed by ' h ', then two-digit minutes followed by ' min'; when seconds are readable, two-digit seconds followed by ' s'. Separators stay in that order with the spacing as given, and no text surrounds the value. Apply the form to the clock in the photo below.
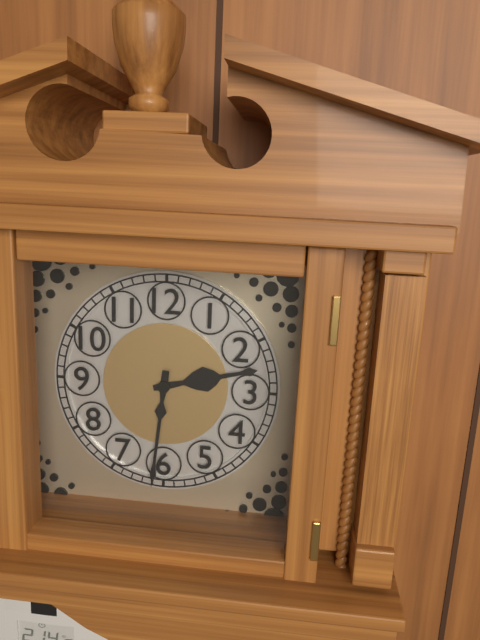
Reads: 2 h 31 min
